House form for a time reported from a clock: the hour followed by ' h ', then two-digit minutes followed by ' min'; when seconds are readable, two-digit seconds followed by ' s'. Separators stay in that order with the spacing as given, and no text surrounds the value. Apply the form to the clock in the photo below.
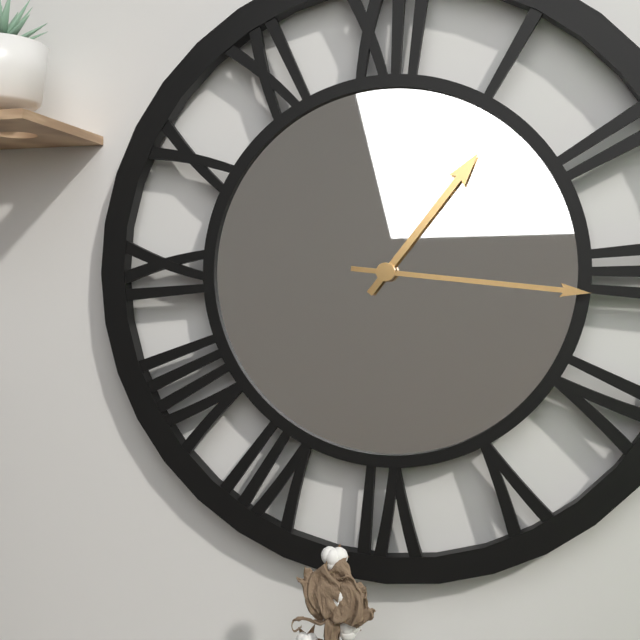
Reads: 1 h 16 min
